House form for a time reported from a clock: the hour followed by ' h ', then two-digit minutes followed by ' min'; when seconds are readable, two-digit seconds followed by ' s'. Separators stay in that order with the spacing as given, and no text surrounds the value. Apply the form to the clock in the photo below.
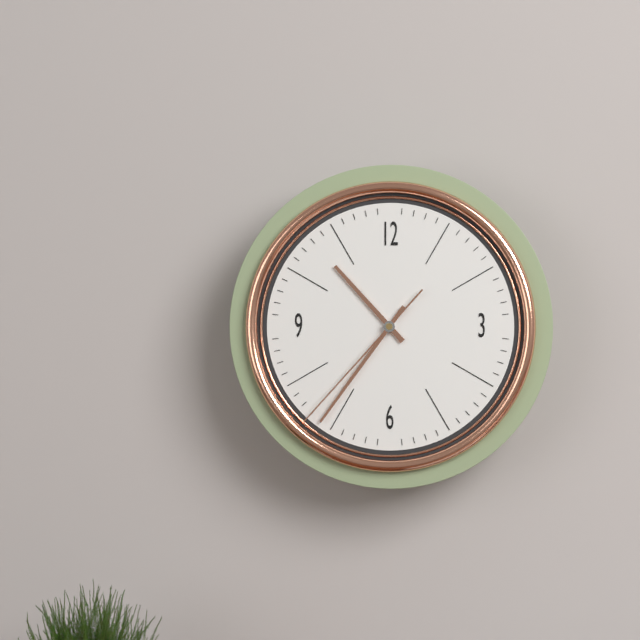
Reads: 10 h 36 min 37 s
